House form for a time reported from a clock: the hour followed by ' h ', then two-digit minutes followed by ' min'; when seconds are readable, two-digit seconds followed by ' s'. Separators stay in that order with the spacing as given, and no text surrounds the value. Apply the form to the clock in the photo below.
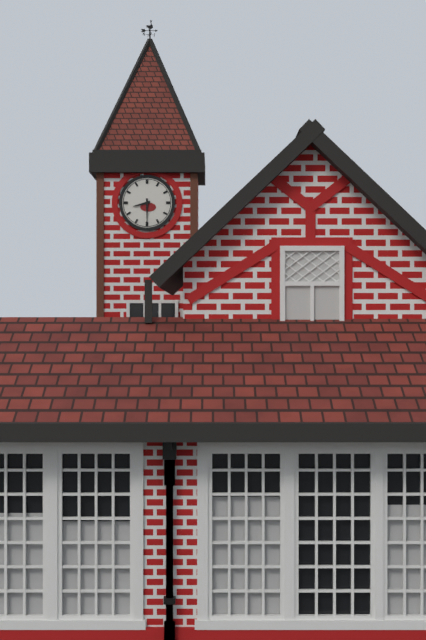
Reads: 8 h 30 min
